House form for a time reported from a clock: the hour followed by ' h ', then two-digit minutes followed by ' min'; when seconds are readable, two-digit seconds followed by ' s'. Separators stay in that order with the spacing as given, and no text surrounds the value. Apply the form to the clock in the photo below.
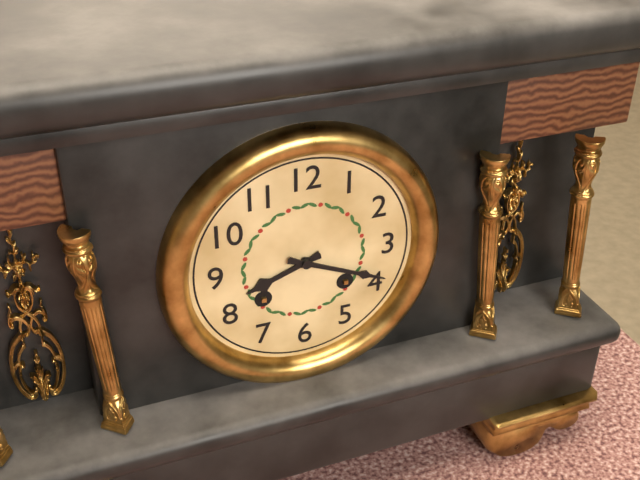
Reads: 8 h 19 min
